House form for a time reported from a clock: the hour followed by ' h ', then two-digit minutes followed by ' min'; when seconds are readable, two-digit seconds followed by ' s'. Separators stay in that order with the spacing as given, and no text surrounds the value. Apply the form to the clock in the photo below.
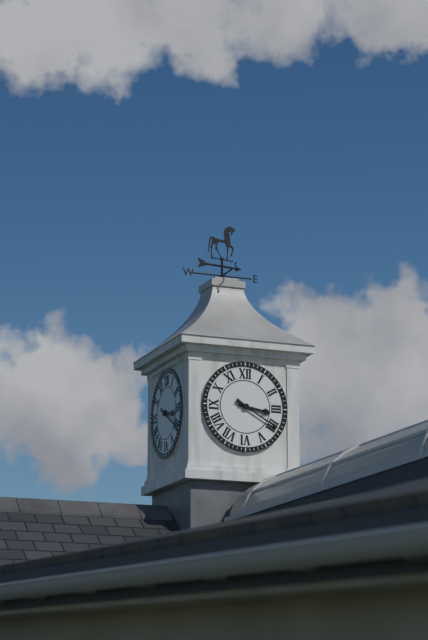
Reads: 3 h 20 min
